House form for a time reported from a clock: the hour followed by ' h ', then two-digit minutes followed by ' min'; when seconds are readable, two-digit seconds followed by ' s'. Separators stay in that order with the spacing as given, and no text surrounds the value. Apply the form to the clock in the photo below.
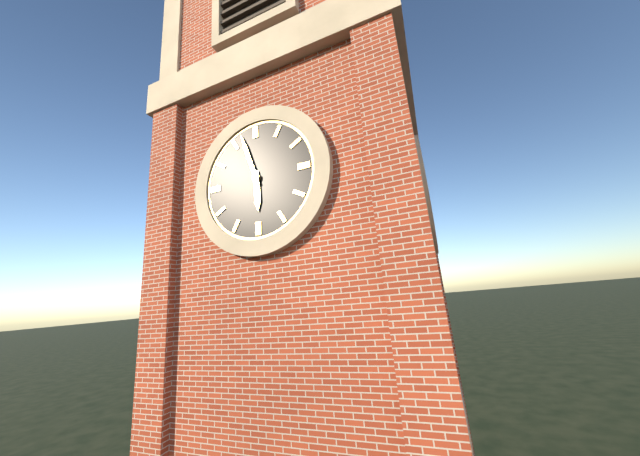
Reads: 5 h 57 min
